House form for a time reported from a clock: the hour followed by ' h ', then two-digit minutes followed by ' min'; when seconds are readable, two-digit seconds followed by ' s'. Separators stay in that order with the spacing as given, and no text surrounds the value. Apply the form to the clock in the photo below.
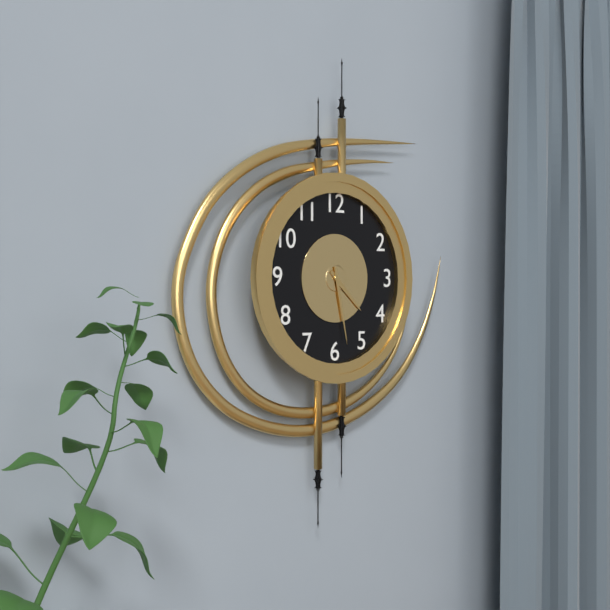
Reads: 4 h 28 min
